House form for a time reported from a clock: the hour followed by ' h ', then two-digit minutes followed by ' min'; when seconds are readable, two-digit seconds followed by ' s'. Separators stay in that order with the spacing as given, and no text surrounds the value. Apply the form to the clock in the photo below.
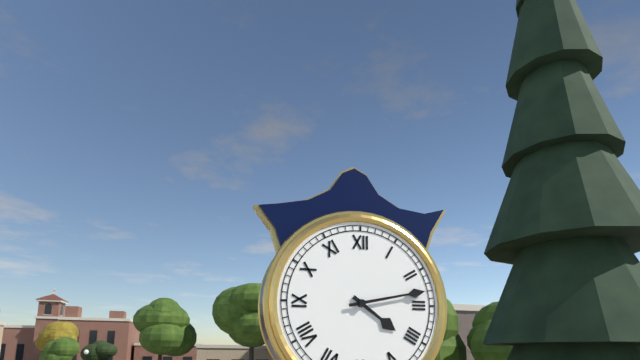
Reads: 4 h 13 min
